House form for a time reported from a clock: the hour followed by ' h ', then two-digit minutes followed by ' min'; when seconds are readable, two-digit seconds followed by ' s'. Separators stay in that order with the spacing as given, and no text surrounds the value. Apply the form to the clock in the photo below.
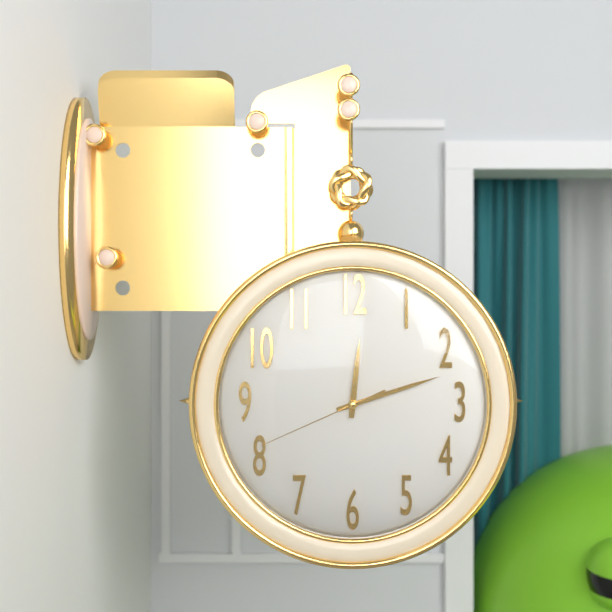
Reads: 12 h 12 min 41 s
